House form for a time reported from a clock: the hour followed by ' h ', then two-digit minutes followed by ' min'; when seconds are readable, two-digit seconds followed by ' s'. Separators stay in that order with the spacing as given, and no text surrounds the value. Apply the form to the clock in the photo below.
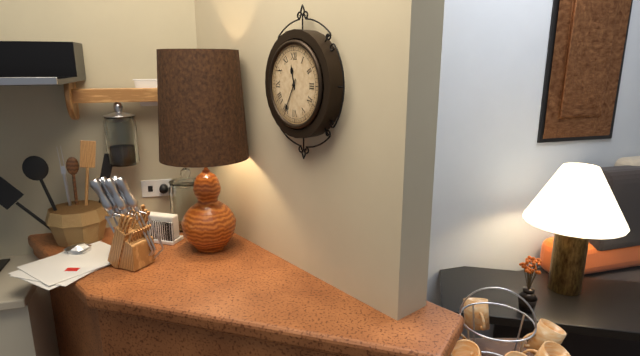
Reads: 11 h 35 min
